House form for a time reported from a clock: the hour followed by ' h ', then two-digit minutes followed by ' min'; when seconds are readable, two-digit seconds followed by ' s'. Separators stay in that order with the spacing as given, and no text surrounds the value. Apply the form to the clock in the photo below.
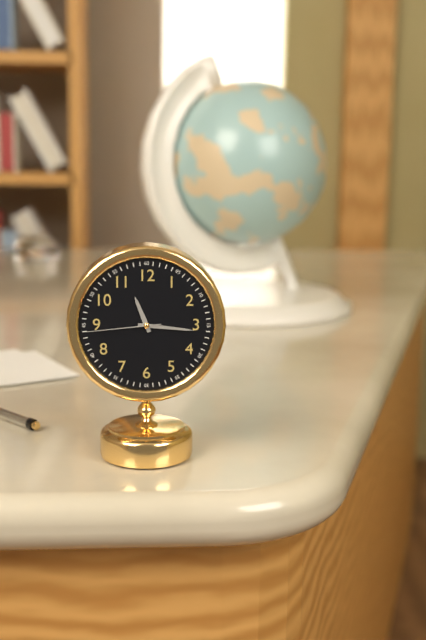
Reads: 11 h 16 min 44 s
